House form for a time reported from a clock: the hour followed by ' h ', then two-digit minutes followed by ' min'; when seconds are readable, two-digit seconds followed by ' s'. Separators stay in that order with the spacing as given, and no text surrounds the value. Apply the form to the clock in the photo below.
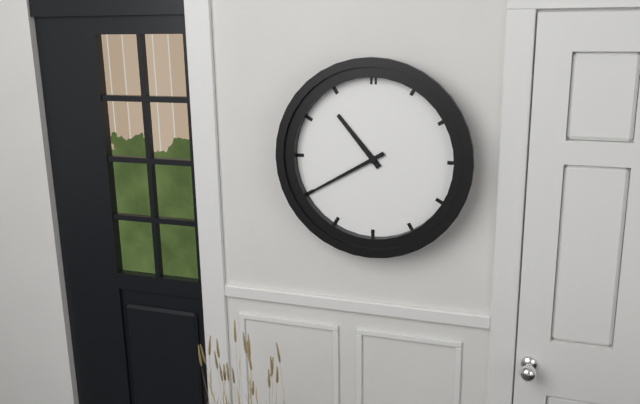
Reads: 10 h 40 min
